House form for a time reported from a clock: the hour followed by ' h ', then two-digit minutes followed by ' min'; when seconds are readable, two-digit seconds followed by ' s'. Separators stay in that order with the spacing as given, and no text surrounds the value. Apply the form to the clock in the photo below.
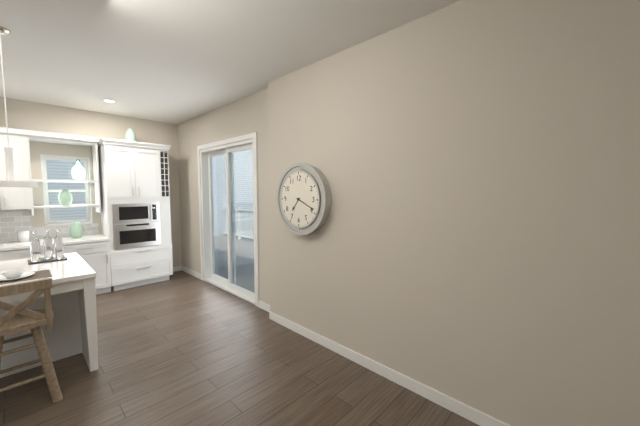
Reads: 7 h 19 min
